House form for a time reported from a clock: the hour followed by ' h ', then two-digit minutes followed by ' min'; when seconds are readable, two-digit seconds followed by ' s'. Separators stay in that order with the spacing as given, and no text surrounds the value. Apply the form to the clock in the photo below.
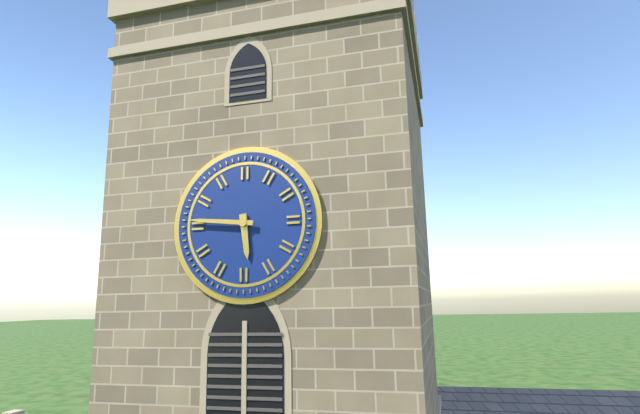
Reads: 5 h 46 min
